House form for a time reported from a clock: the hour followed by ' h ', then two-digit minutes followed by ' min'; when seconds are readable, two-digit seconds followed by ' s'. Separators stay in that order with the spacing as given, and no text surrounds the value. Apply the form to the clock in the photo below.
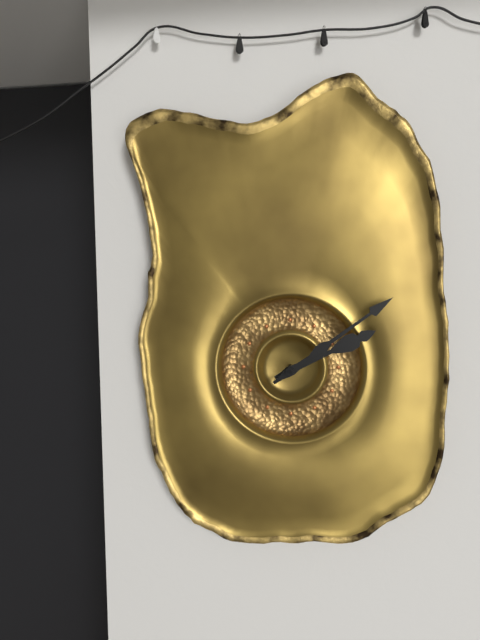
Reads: 2 h 09 min
